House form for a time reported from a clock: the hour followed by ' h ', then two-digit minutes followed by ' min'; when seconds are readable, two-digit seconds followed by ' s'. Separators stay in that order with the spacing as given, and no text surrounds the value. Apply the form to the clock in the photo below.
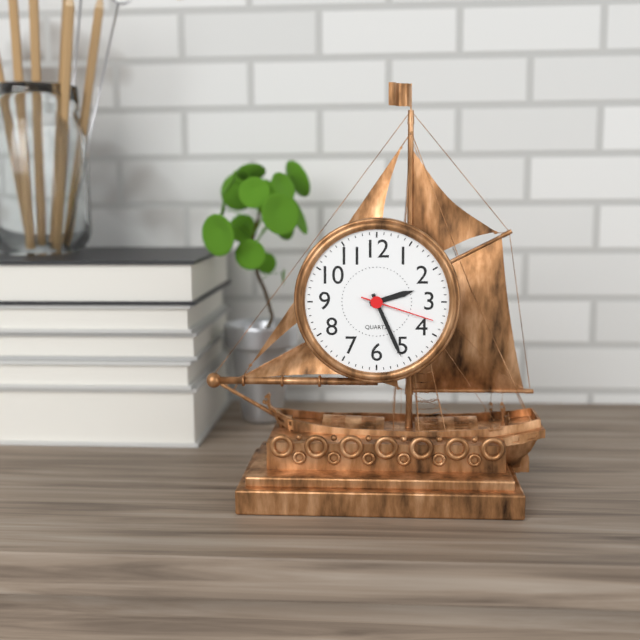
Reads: 2 h 26 min 18 s
